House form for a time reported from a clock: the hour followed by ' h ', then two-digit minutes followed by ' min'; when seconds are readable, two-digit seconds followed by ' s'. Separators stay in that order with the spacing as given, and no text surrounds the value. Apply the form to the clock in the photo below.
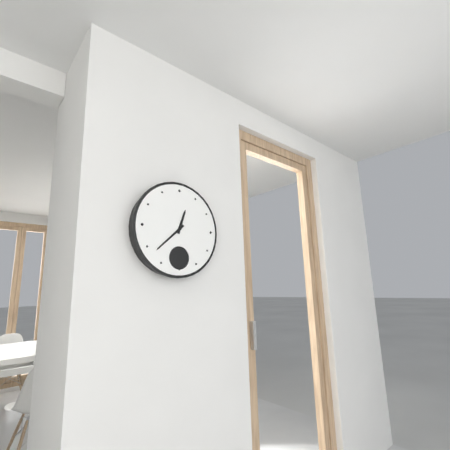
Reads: 12 h 38 min
